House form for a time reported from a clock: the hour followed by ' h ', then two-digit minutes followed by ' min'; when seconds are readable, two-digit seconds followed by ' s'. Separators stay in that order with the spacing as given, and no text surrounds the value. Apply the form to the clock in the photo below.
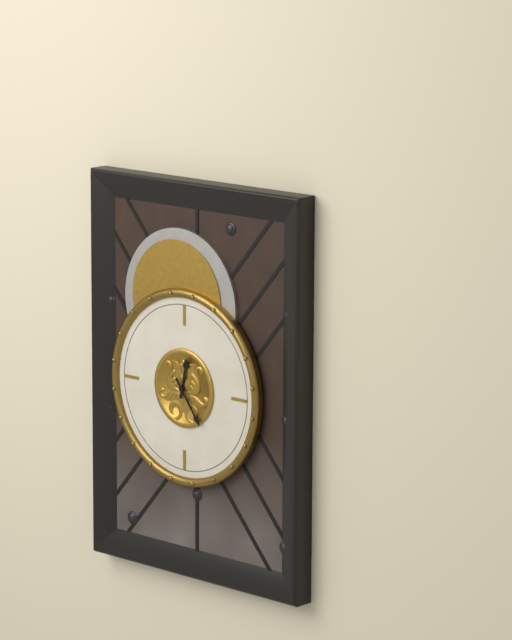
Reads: 12 h 24 min
